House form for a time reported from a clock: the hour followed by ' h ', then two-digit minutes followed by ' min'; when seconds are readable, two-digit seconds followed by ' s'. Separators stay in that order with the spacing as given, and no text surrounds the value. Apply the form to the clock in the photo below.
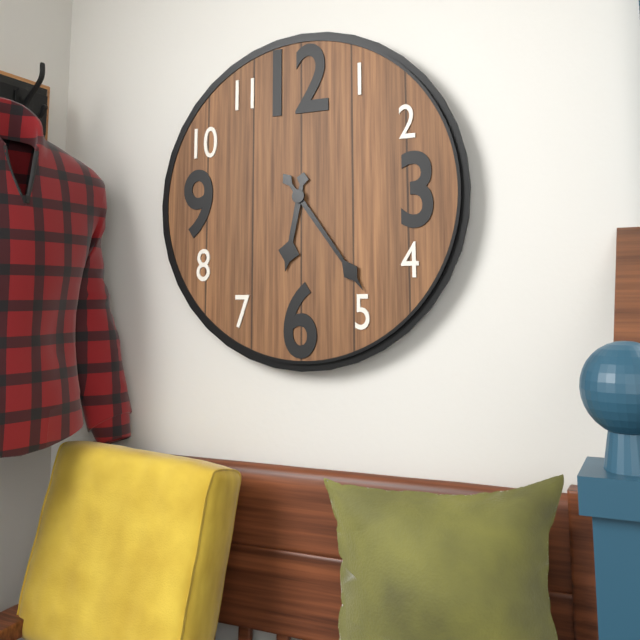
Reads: 6 h 24 min
